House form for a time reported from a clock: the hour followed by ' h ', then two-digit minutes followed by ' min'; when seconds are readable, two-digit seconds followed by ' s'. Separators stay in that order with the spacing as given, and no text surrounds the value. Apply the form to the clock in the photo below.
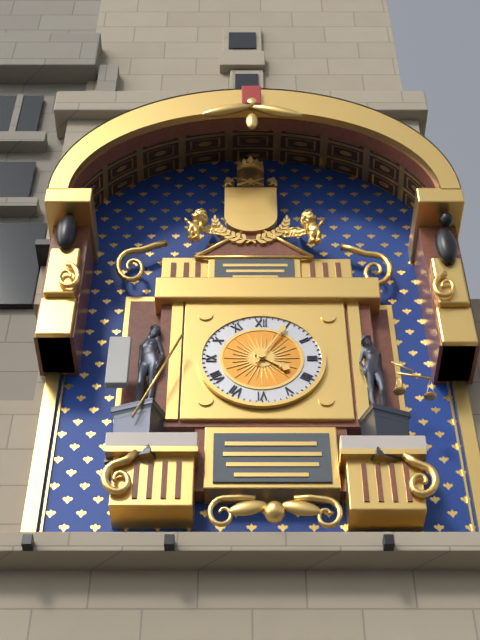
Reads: 4 h 05 min
